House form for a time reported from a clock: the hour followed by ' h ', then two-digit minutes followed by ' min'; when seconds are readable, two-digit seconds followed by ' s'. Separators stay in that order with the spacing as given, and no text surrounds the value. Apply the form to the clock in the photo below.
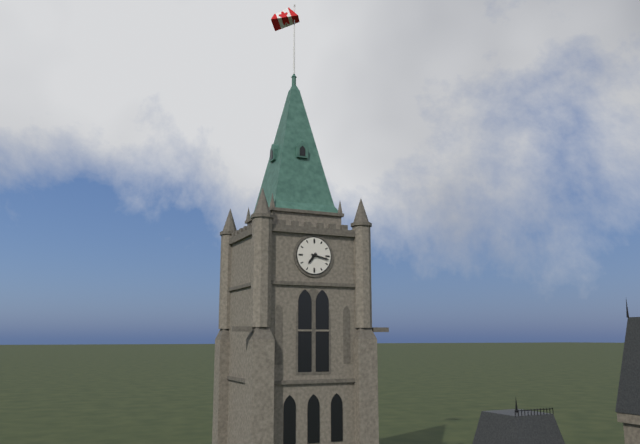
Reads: 7 h 17 min
